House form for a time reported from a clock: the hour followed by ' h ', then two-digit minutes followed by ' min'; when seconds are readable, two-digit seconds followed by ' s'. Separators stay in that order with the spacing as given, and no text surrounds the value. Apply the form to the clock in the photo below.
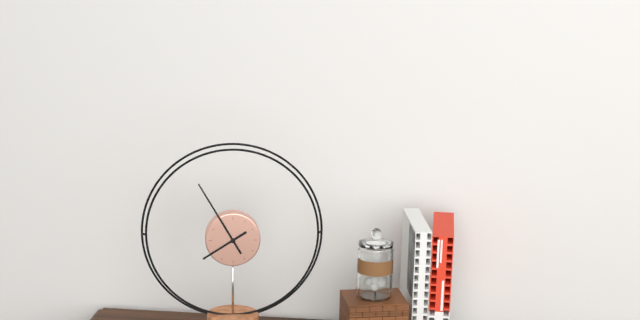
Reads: 7 h 55 min
